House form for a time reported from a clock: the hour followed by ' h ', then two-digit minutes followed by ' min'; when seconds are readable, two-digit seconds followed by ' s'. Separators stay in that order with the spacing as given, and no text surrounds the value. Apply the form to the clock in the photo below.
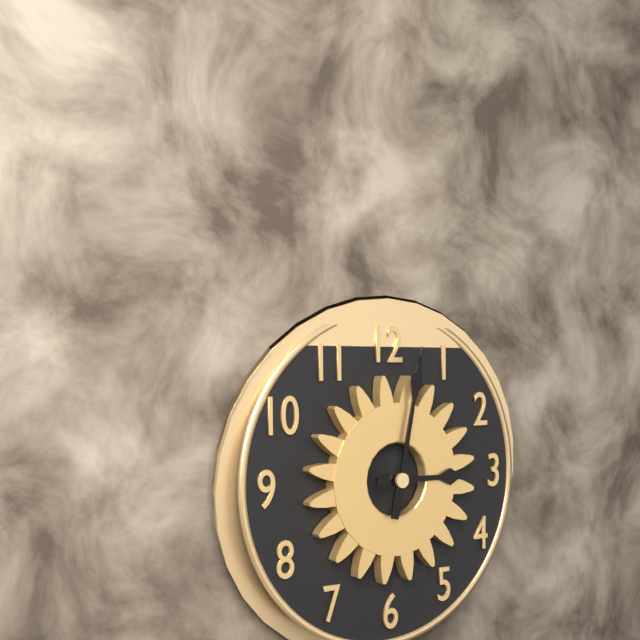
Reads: 3 h 02 min
